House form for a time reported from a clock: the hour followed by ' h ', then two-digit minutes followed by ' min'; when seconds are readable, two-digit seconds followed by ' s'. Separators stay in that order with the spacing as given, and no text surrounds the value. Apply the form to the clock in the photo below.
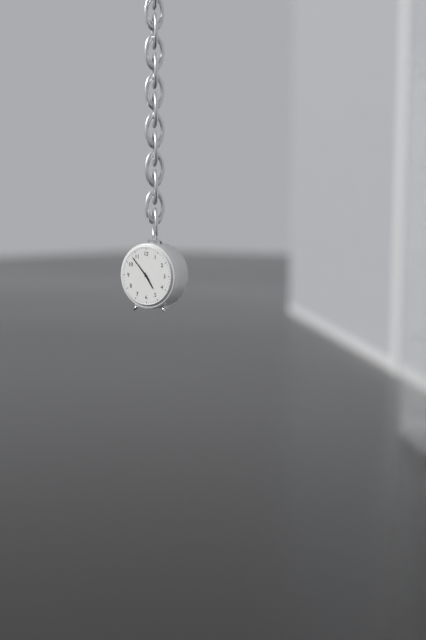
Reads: 4 h 53 min
